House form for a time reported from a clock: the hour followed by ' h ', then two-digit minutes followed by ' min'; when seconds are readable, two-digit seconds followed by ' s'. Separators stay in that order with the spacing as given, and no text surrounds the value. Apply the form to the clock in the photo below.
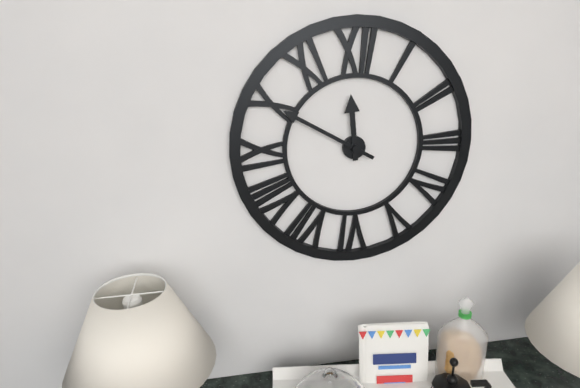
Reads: 11 h 50 min
